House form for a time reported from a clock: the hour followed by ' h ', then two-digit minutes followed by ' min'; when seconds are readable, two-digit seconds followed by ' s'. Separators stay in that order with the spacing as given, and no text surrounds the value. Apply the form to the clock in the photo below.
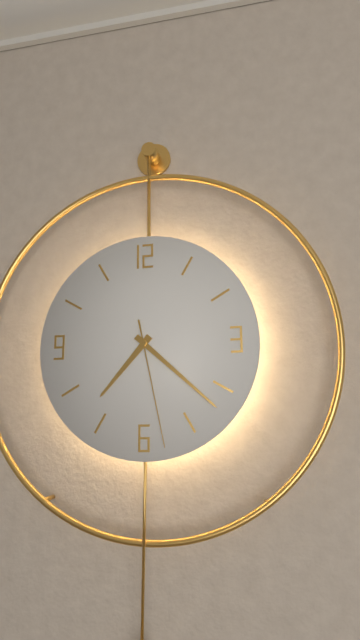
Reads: 7 h 22 min 28 s
